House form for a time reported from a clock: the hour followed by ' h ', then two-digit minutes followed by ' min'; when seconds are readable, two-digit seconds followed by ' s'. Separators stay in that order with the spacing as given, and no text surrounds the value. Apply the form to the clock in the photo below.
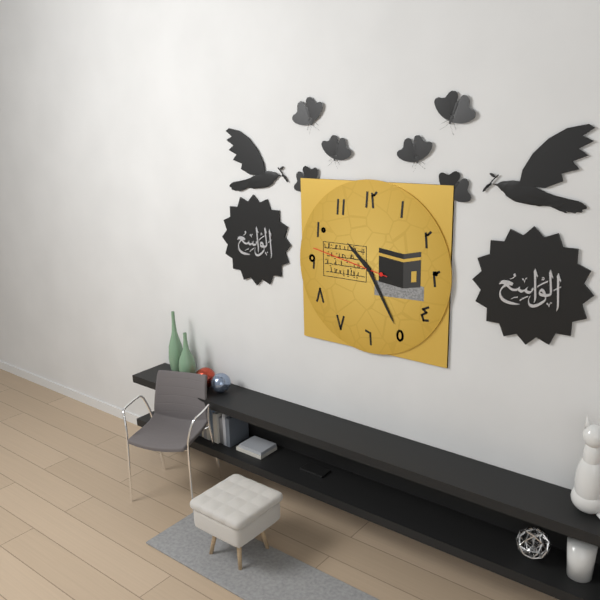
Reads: 10 h 25 min 47 s
